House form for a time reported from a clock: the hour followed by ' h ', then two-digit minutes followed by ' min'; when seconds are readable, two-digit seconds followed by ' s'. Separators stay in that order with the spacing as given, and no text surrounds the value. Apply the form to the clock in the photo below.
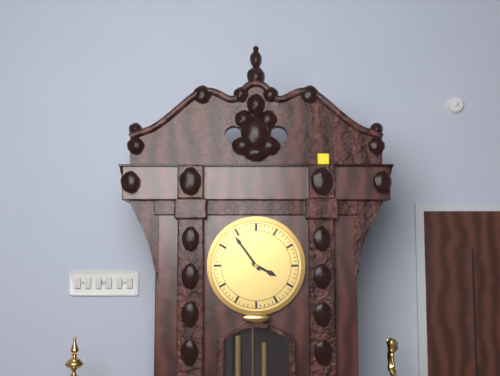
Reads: 3 h 54 min
